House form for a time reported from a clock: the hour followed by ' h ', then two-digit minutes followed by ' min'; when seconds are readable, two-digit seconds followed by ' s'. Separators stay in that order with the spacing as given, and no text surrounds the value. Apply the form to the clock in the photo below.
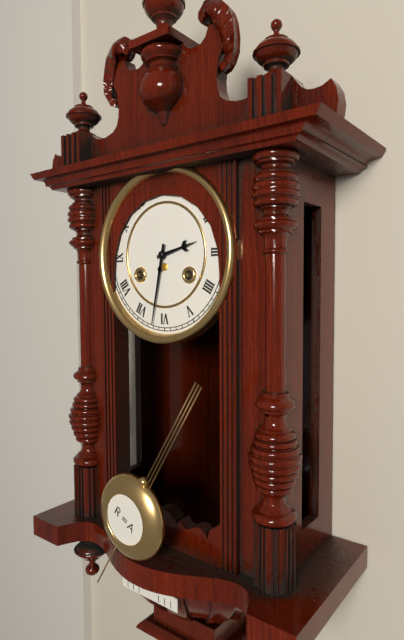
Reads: 2 h 32 min
